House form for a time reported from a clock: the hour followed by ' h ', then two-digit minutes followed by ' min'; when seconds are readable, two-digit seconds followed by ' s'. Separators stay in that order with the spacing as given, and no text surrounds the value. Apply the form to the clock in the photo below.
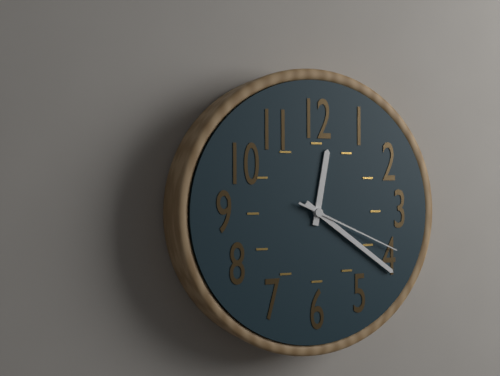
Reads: 12 h 21 min 19 s
